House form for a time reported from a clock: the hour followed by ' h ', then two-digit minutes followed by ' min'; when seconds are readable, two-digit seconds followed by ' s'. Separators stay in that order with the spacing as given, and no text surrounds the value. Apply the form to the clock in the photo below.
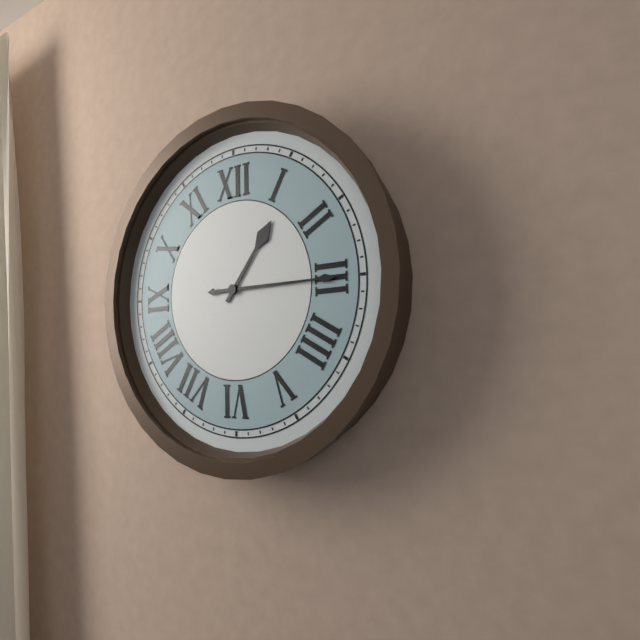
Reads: 1 h 15 min
